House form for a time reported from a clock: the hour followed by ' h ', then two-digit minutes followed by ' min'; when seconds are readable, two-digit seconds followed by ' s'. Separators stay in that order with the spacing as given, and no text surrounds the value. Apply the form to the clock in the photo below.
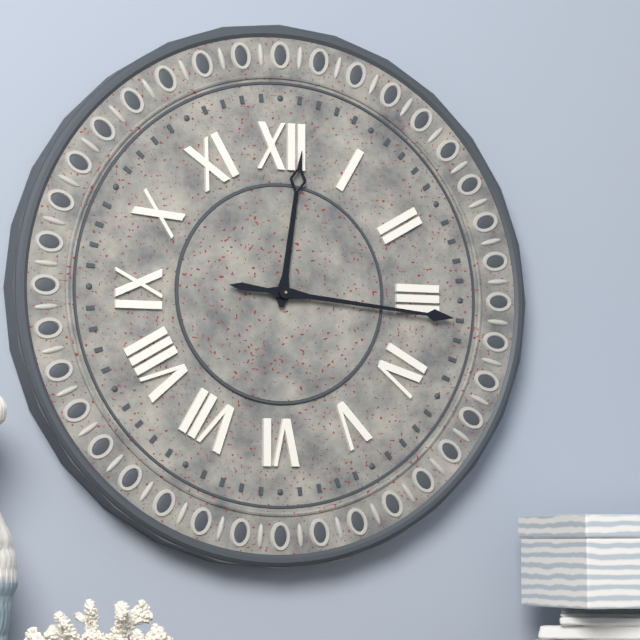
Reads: 12 h 16 min
